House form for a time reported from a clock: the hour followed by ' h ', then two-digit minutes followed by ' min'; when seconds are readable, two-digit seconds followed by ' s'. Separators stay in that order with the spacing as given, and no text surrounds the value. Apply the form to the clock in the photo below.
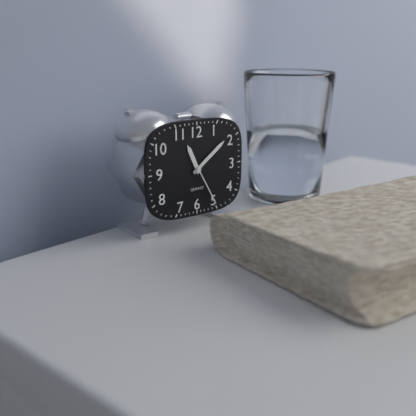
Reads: 11 h 09 min
